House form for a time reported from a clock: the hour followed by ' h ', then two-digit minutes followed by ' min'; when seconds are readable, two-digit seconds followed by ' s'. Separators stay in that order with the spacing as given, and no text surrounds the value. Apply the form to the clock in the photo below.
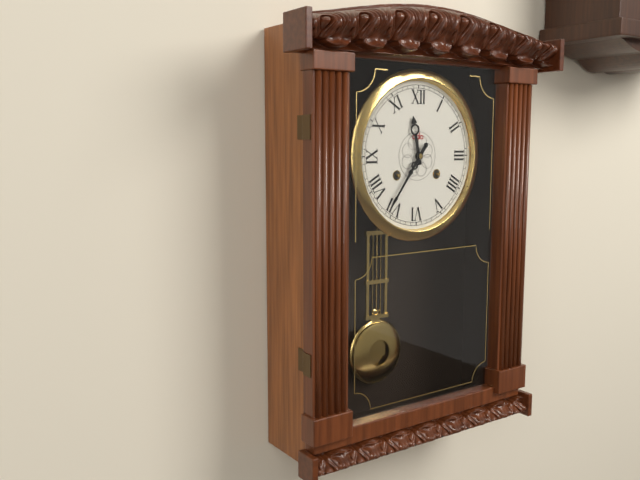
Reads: 11 h 36 min
